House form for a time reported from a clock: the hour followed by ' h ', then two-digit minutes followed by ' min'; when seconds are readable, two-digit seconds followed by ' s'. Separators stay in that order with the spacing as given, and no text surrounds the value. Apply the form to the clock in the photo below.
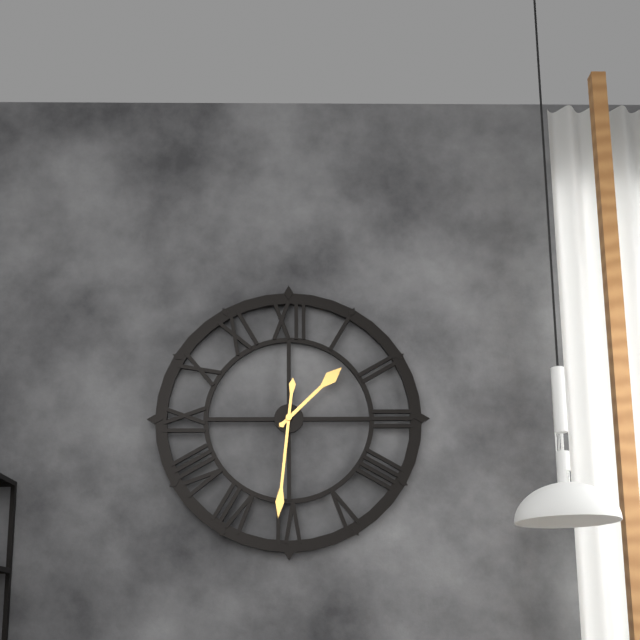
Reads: 1 h 31 min
